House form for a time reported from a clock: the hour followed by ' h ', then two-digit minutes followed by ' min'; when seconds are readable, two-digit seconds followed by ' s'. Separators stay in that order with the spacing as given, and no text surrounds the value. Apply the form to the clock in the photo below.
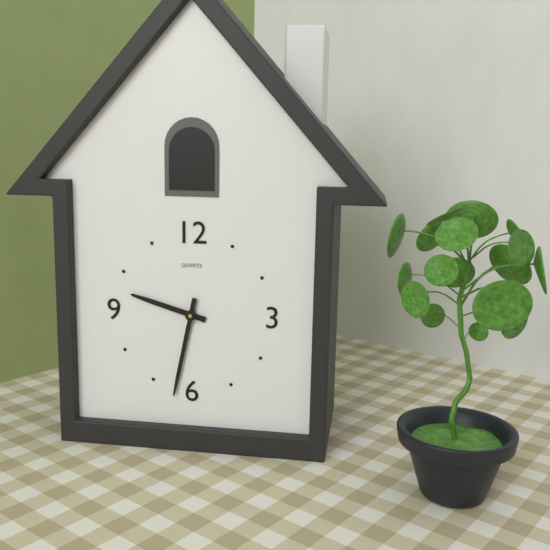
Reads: 9 h 32 min
